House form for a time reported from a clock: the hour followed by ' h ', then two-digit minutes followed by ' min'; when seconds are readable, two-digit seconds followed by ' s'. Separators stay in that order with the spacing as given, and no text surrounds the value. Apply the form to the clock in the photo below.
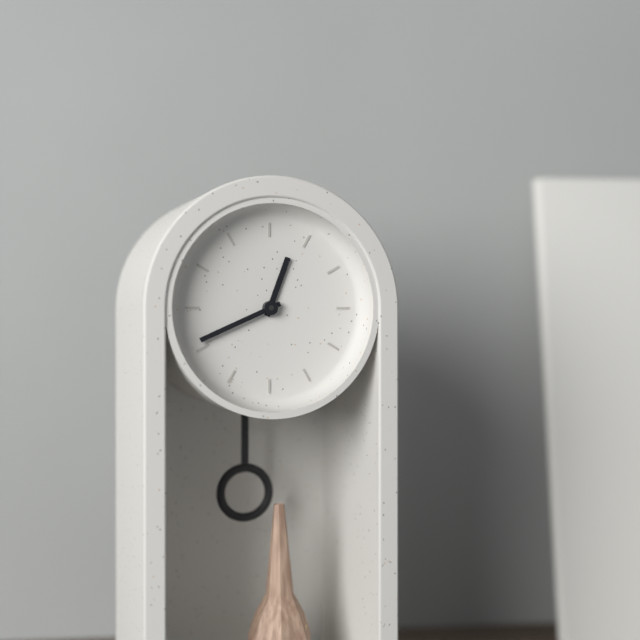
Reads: 12 h 41 min
